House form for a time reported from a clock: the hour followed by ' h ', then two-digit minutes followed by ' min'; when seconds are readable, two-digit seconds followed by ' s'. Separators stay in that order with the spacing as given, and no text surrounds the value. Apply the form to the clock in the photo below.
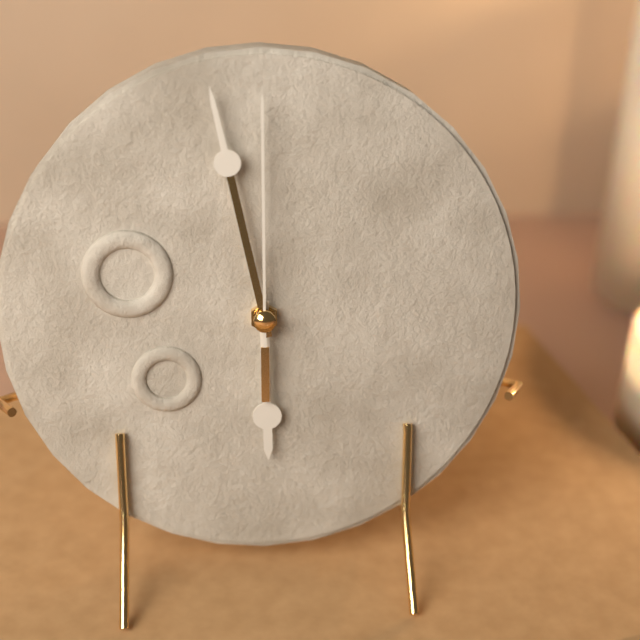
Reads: 5 h 58 min 00 s
